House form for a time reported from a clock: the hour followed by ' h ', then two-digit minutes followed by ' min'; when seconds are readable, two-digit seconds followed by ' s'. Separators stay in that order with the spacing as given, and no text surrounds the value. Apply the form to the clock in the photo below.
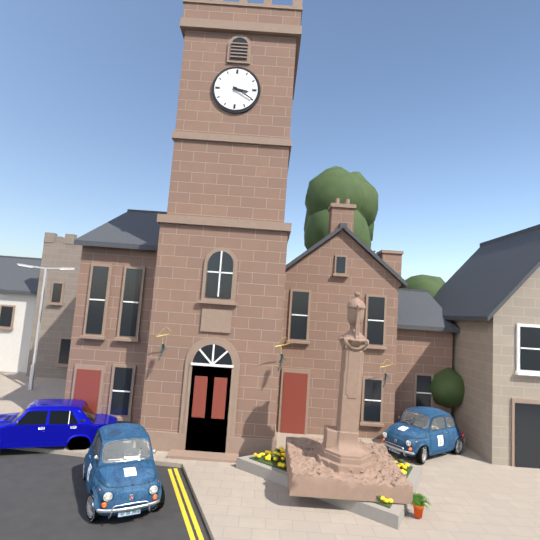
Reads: 3 h 20 min
